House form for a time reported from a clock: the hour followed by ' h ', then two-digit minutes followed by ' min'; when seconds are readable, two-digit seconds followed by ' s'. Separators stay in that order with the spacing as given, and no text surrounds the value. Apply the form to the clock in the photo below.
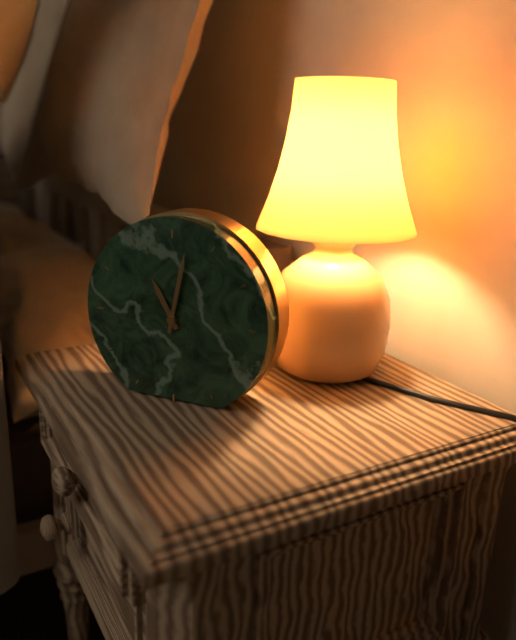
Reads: 11 h 02 min
